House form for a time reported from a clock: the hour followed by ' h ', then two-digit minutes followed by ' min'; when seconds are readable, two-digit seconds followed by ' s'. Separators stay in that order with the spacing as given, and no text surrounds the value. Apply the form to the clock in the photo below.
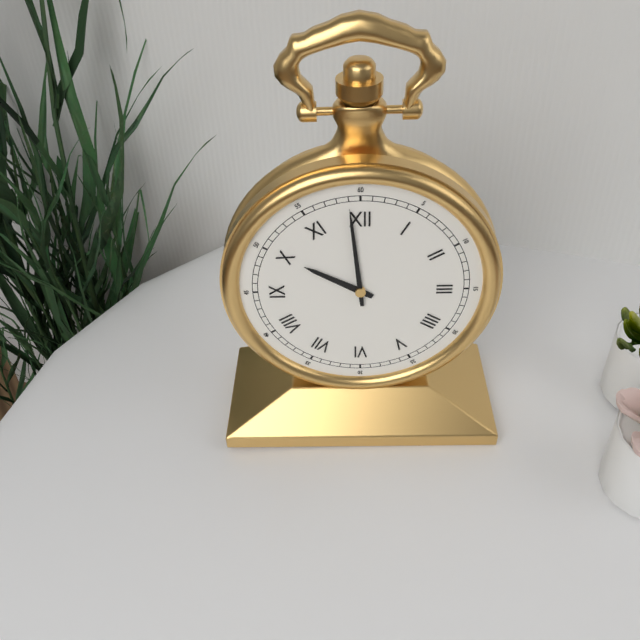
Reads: 9 h 59 min
